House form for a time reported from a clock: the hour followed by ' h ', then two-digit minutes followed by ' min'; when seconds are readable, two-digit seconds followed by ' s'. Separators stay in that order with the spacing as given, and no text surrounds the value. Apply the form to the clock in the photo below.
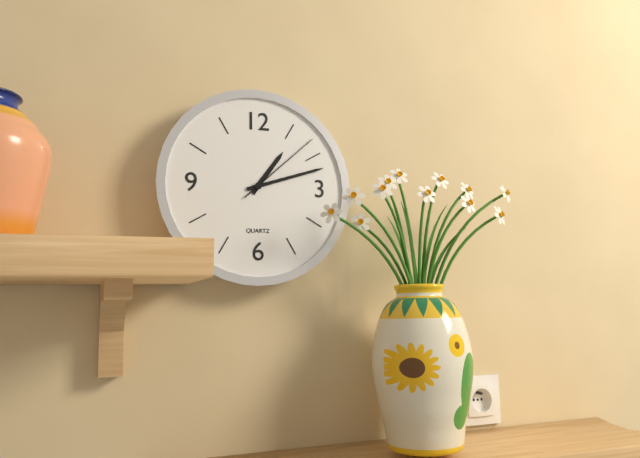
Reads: 1 h 12 min 08 s
